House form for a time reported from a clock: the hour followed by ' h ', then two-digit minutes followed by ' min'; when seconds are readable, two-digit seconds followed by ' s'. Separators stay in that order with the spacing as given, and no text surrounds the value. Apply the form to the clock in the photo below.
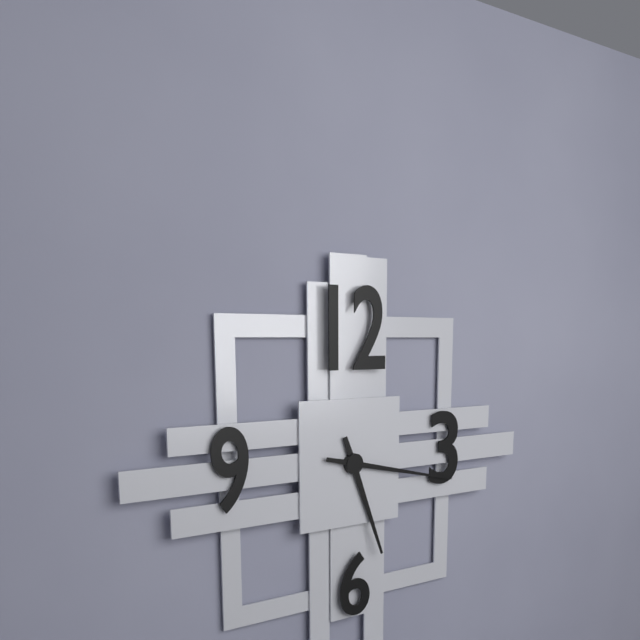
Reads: 5 h 17 min
